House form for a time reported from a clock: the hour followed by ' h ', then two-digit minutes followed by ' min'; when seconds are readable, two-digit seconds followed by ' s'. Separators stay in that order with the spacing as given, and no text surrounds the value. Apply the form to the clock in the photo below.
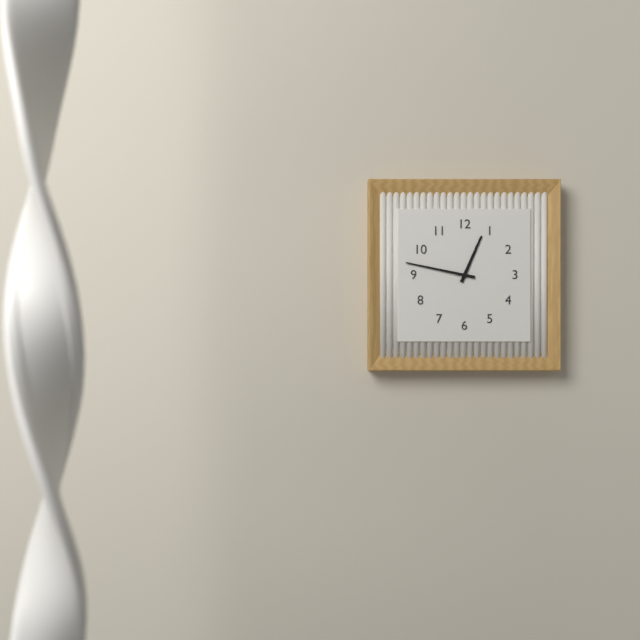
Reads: 12 h 47 min
